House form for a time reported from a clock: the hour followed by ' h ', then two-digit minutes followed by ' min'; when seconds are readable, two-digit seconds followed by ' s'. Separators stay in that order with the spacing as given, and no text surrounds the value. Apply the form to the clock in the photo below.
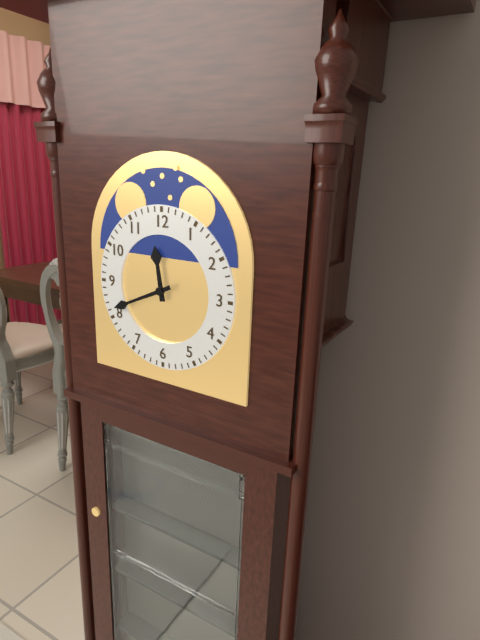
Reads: 11 h 41 min
